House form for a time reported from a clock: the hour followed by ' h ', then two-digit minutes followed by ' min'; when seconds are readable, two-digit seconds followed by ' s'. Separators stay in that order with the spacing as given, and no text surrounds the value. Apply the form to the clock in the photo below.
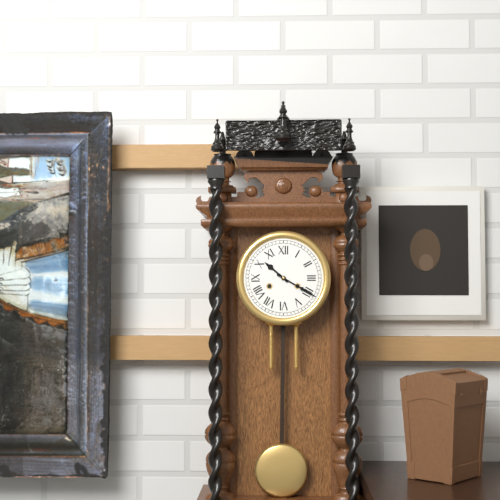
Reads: 10 h 20 min
